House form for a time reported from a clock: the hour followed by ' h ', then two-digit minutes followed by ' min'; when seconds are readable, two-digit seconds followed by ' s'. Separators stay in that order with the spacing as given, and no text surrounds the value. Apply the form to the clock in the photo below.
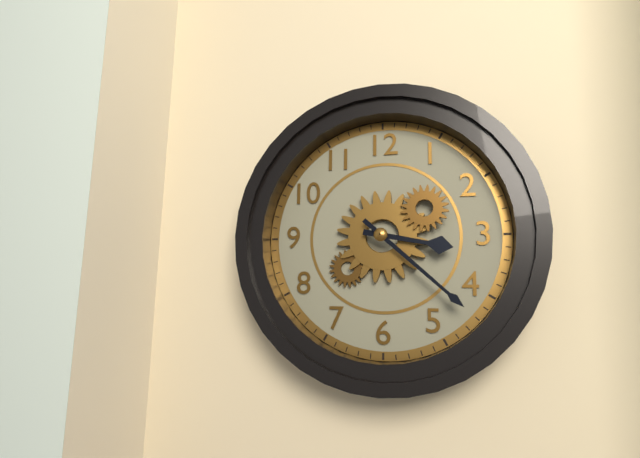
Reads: 3 h 22 min
